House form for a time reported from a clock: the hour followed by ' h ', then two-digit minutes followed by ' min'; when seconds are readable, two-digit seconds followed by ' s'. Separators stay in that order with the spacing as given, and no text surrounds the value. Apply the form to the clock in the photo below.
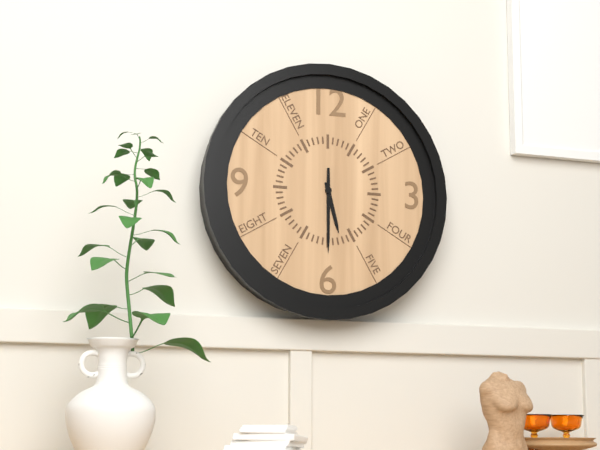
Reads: 5 h 30 min
